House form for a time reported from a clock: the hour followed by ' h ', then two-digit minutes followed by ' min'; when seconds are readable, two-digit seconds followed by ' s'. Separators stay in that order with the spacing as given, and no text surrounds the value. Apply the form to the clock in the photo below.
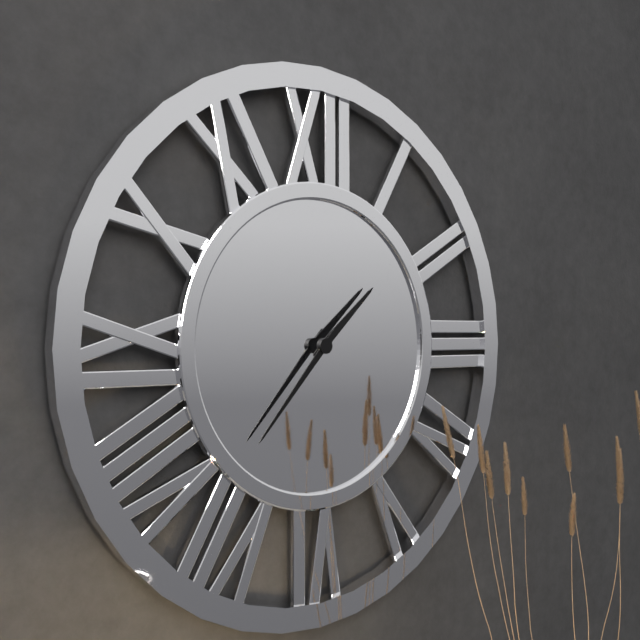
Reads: 1 h 37 min
